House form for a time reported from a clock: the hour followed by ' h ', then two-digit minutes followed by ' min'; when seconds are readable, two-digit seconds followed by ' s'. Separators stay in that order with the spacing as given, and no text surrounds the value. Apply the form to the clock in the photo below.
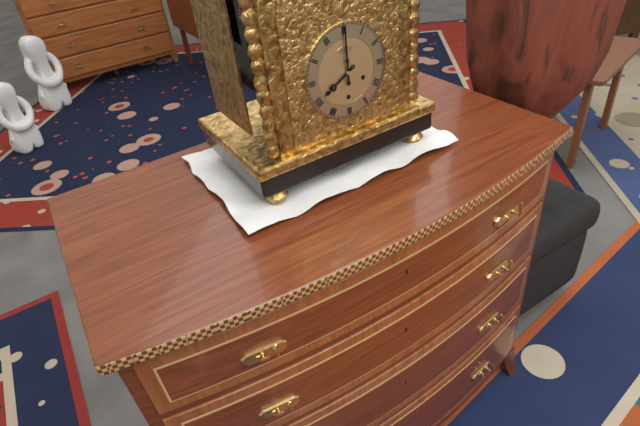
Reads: 8 h 00 min
